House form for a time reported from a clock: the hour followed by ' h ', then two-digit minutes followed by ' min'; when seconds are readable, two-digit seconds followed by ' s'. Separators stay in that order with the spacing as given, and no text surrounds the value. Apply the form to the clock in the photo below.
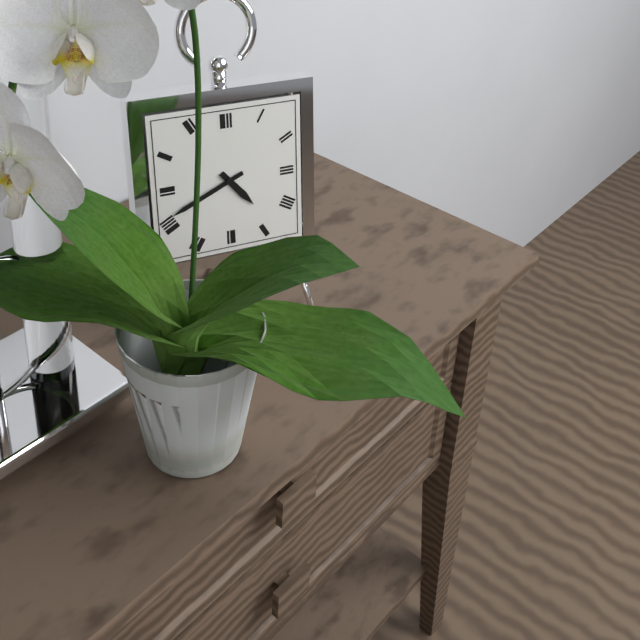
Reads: 4 h 41 min
